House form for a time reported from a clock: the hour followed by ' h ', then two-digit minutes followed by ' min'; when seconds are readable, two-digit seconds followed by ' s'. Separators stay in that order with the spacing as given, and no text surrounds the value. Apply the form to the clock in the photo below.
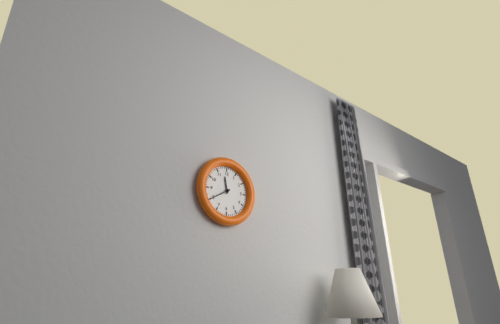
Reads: 11 h 40 min
